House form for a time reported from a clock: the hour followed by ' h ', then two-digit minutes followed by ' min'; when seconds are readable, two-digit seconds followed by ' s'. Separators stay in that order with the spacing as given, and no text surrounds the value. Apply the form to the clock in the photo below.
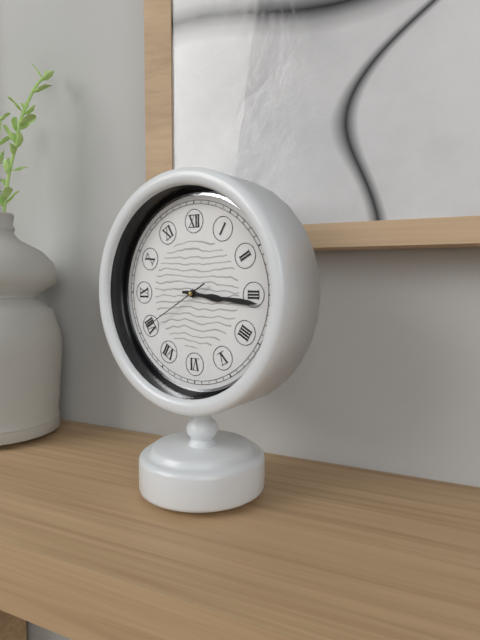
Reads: 3 h 16 min 40 s
